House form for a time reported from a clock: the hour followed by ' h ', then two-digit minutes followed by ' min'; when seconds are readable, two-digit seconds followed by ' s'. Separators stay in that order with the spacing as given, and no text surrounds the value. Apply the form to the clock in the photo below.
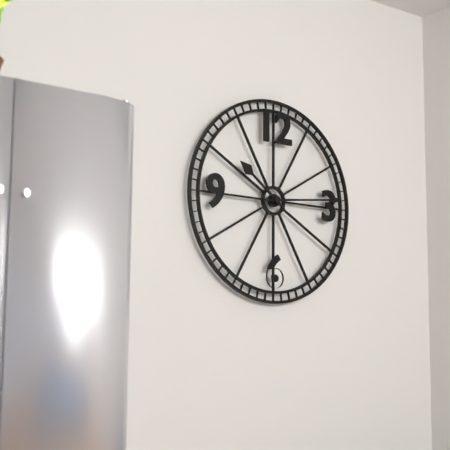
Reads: 10 h 14 min
